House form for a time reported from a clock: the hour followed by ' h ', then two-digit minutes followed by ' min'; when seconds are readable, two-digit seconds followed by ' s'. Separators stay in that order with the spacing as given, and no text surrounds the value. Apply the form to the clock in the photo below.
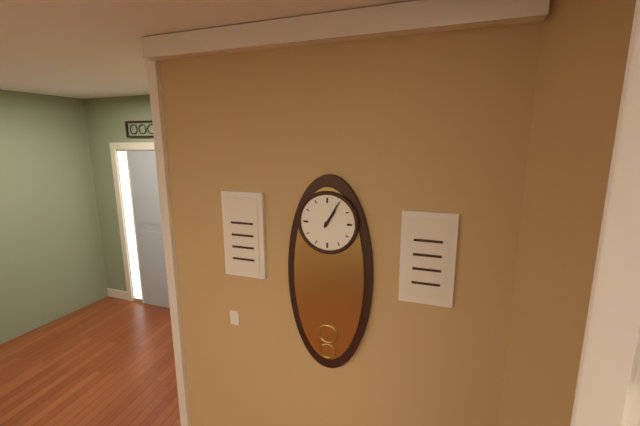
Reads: 1 h 05 min
